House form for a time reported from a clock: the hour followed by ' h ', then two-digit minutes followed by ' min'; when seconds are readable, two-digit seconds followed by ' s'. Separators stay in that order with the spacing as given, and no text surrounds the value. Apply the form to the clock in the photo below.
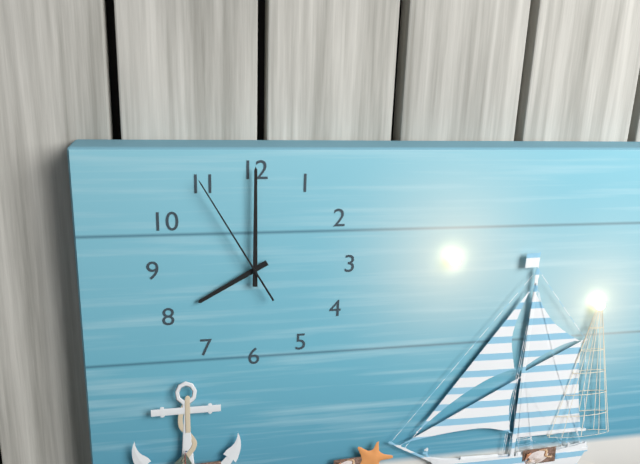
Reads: 8 h 00 min 55 s
